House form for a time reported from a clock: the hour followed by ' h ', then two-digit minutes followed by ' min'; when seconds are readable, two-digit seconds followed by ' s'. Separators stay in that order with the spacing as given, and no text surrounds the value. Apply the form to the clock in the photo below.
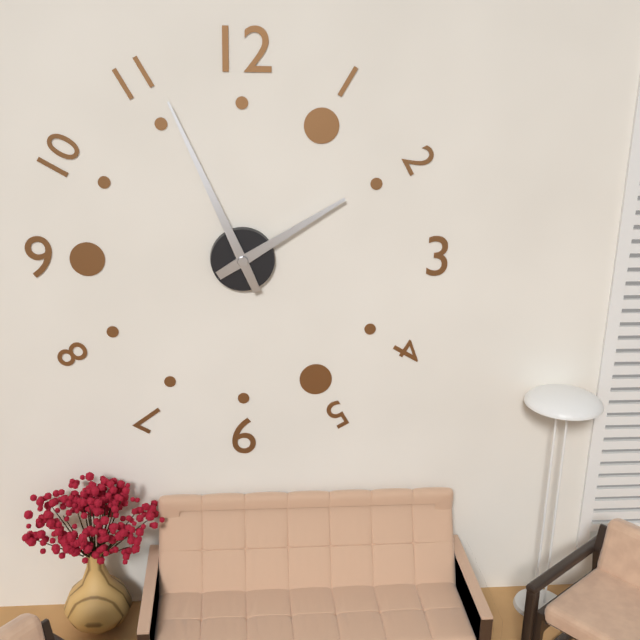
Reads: 1 h 56 min
